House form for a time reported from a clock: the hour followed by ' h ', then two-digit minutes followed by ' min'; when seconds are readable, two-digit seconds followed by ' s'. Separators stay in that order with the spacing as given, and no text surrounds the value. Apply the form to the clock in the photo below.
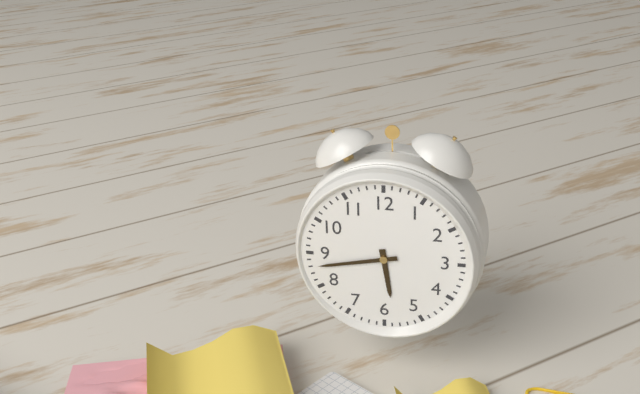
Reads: 5 h 43 min
